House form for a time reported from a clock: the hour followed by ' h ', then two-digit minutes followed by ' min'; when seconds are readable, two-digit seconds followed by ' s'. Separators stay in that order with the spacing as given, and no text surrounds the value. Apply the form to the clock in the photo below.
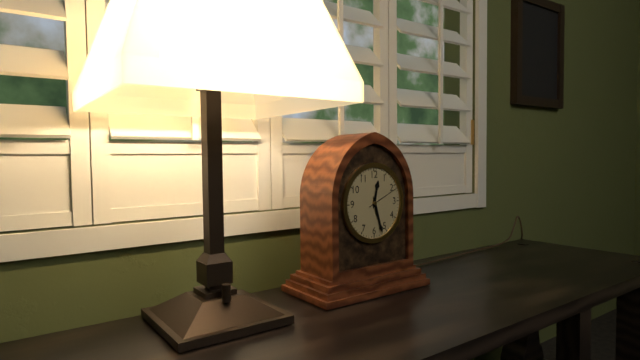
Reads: 12 h 27 min
